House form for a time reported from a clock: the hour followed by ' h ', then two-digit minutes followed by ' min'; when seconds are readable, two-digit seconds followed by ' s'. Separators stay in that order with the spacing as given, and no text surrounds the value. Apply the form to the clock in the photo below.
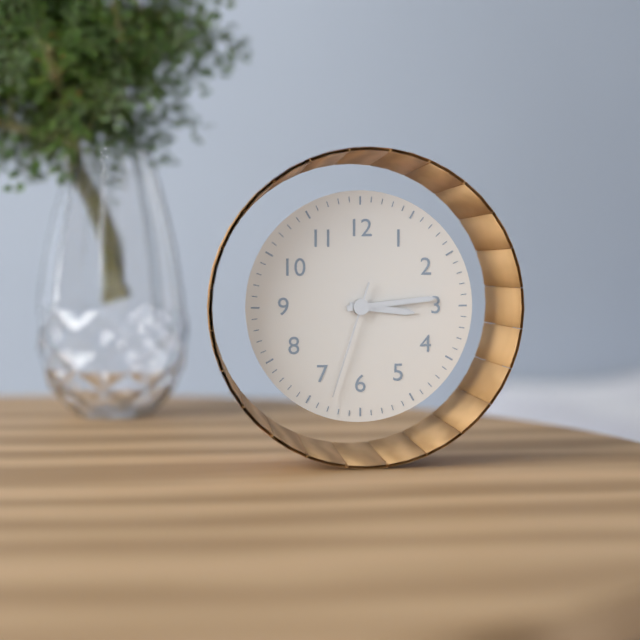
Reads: 3 h 14 min 33 s
